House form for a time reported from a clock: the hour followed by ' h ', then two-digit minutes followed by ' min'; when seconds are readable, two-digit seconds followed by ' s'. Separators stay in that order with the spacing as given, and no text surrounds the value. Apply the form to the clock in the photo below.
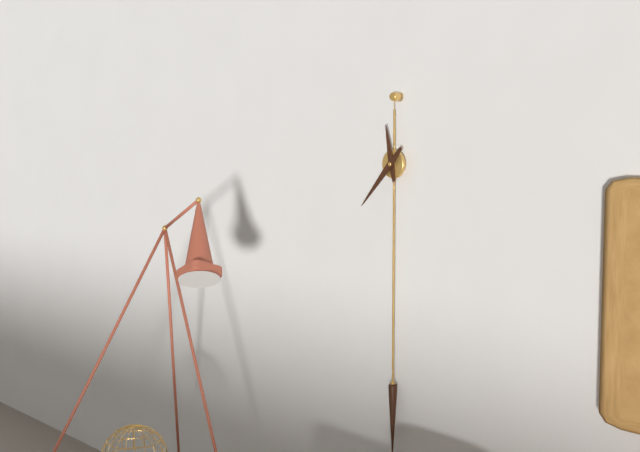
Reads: 11 h 37 min
